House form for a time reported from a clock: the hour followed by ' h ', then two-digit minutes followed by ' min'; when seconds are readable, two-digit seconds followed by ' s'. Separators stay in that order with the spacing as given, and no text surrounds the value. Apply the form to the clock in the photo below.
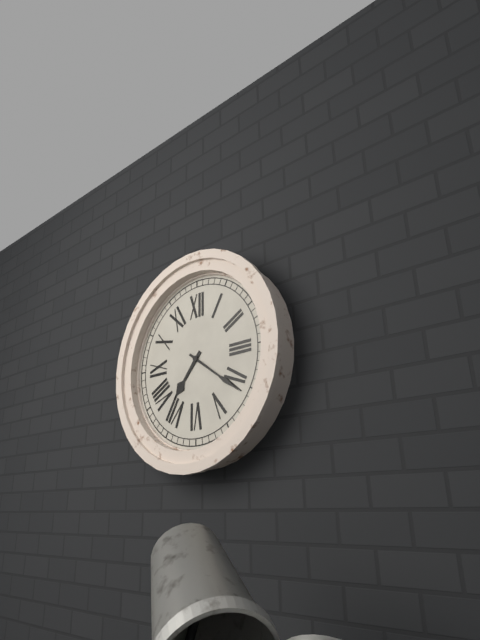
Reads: 7 h 21 min
